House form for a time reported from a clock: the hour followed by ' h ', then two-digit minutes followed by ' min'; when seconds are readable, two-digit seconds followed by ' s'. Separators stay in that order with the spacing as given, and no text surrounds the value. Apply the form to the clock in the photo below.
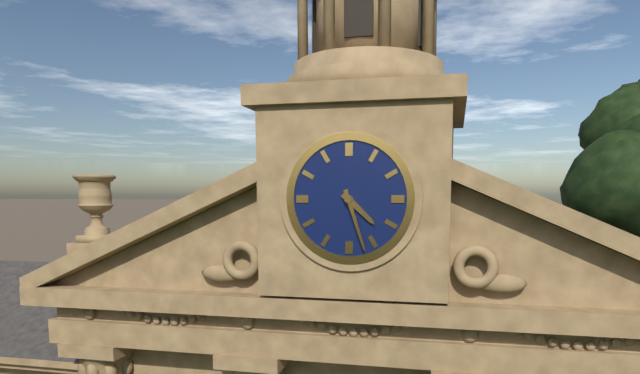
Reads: 4 h 27 min
